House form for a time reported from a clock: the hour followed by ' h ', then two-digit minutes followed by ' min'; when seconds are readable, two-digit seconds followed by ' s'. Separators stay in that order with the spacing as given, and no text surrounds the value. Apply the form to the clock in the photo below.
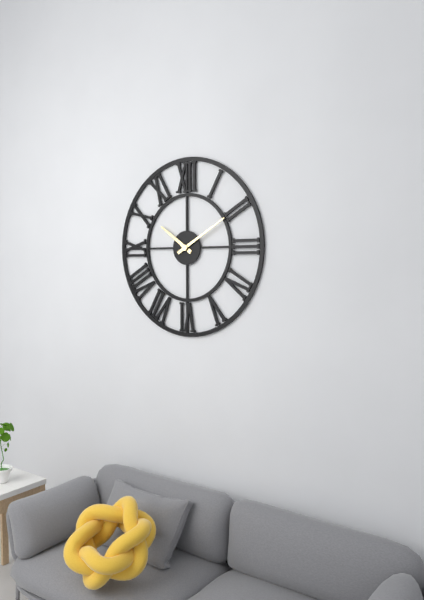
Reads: 10 h 10 min
